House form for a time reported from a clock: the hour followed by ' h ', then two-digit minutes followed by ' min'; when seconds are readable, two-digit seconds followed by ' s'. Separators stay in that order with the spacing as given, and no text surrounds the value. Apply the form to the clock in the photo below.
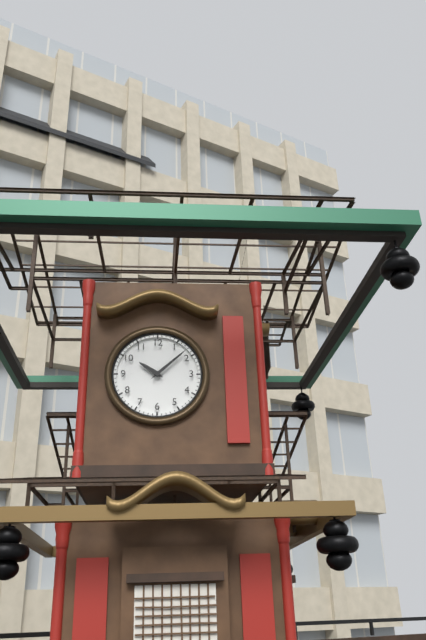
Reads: 10 h 08 min
